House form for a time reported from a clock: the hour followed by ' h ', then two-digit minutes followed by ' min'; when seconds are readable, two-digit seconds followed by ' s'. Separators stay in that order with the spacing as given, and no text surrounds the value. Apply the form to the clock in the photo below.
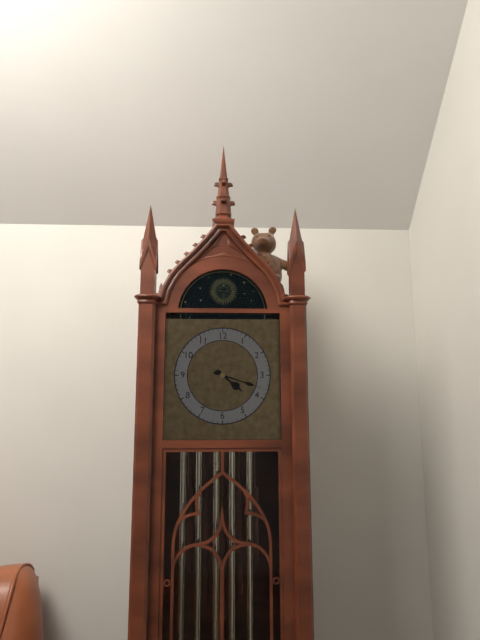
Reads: 4 h 18 min
